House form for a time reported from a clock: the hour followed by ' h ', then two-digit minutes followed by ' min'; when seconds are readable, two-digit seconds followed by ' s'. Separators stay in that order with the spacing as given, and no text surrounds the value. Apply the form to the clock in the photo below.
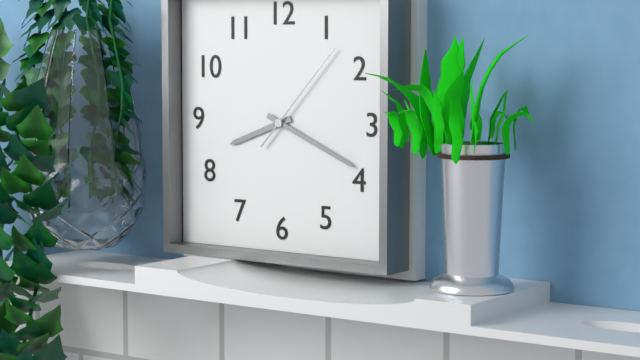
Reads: 8 h 19 min 07 s
